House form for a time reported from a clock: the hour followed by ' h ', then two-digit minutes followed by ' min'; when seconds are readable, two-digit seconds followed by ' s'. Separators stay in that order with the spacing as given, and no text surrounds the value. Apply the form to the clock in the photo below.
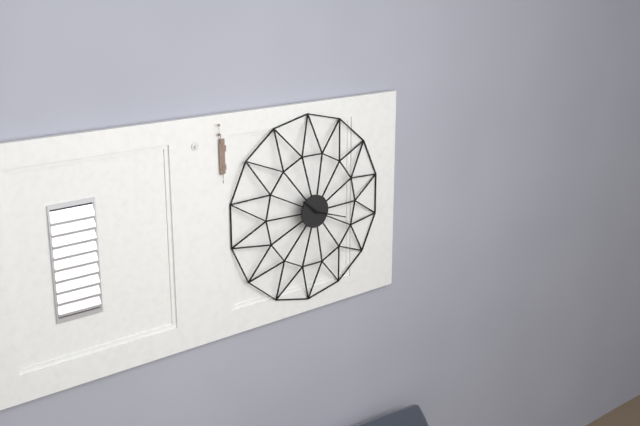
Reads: 10 h 18 min
